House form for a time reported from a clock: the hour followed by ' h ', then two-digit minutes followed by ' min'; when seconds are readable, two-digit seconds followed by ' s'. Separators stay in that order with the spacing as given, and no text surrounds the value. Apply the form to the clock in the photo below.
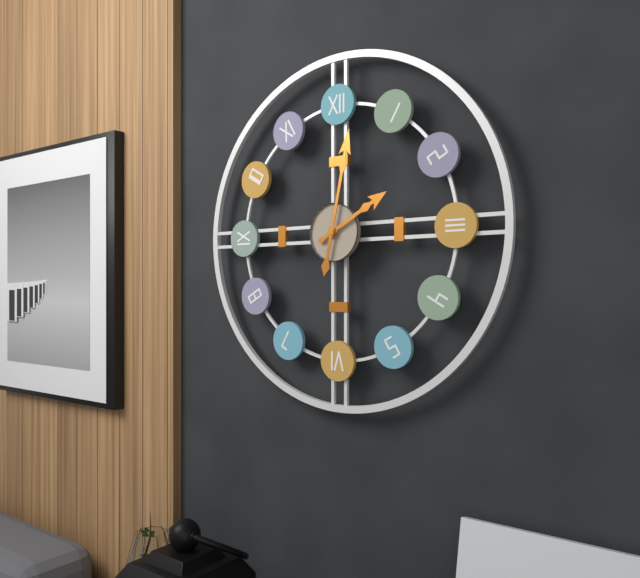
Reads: 2 h 02 min
